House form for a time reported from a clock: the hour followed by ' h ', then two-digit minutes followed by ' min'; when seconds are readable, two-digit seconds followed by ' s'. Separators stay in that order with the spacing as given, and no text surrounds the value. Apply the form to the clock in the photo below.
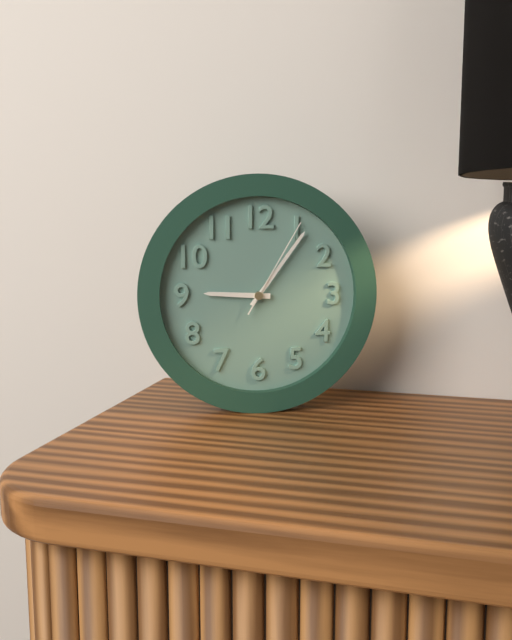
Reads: 9 h 06 min 05 s
